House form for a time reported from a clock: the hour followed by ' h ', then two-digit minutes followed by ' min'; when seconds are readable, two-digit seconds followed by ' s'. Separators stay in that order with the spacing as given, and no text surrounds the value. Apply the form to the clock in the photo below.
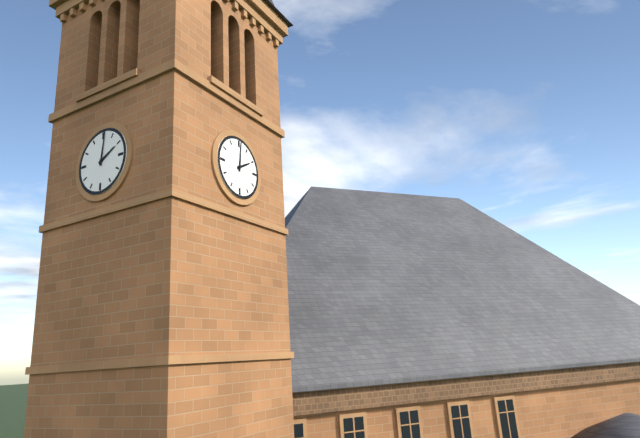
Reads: 2 h 01 min
